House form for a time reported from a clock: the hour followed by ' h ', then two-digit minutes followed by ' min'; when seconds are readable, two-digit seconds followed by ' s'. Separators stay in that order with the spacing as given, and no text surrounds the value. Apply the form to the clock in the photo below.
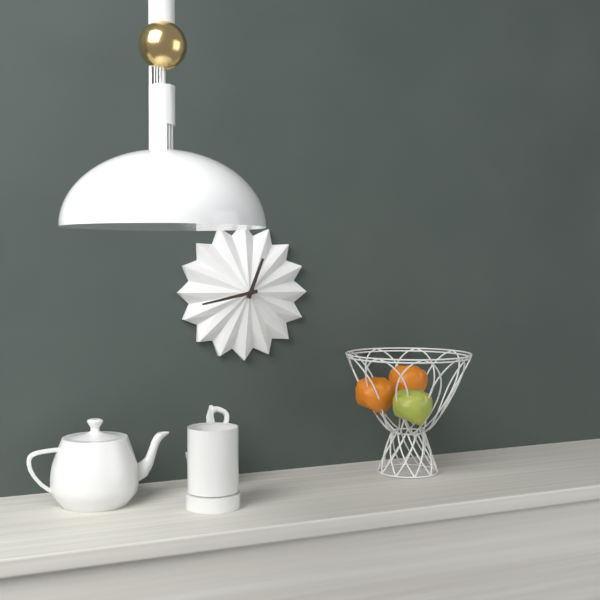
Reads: 12 h 43 min
